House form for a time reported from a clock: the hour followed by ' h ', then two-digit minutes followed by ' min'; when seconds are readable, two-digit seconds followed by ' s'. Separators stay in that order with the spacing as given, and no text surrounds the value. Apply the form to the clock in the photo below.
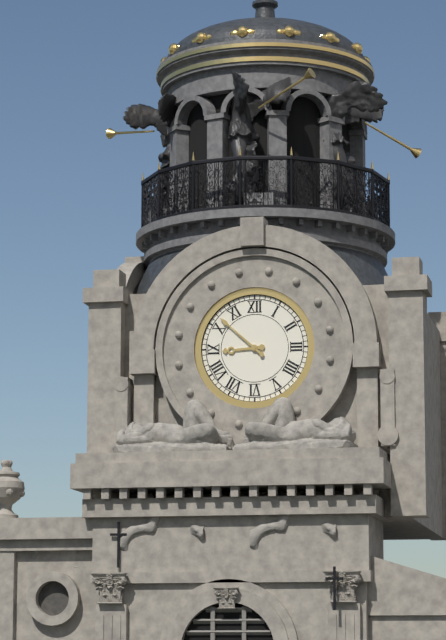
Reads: 8 h 52 min
